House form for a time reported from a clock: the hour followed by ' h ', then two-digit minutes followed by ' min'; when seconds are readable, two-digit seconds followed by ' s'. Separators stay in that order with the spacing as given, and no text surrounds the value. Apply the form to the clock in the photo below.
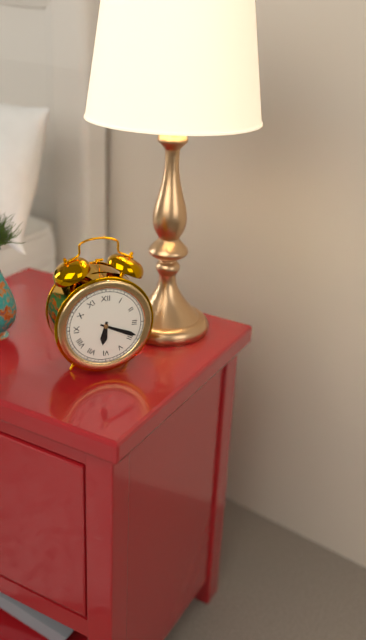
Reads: 6 h 19 min
